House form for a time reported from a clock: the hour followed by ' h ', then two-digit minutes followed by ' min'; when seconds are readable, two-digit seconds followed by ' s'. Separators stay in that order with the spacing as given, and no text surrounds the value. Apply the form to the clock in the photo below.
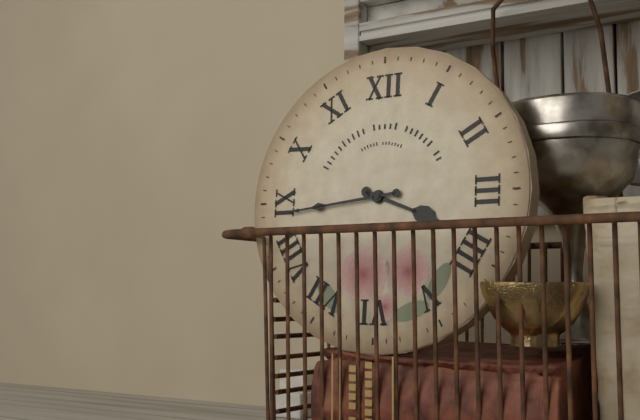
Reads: 3 h 44 min
